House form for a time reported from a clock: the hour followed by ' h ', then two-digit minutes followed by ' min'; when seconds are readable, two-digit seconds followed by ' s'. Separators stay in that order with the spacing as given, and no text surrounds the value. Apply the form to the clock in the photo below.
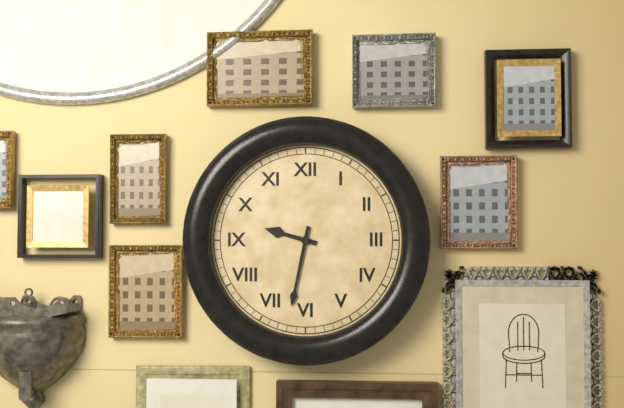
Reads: 9 h 32 min
